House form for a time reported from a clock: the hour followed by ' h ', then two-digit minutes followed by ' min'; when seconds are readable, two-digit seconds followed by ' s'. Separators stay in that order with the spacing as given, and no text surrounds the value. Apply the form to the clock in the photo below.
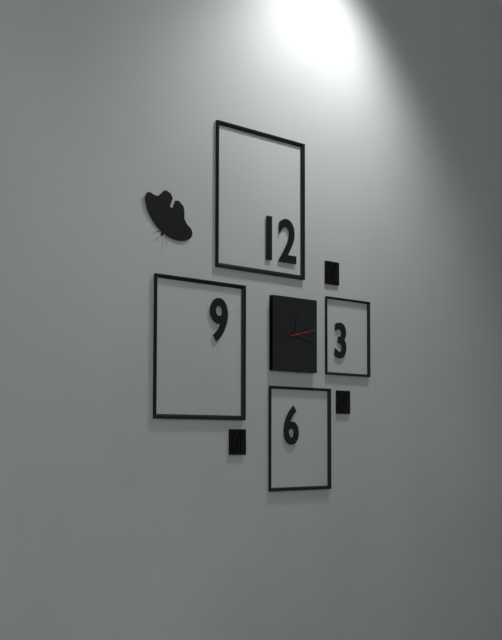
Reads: 12 h 17 min
